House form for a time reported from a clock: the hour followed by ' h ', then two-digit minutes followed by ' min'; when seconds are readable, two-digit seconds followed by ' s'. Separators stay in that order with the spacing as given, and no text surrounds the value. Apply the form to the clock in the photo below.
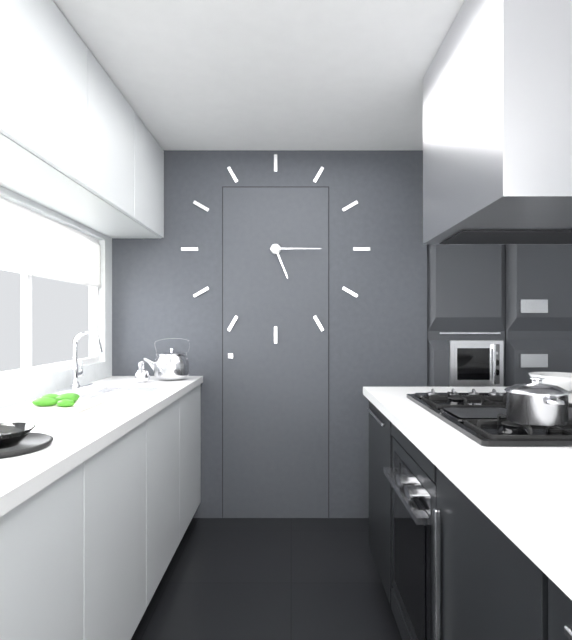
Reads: 5 h 15 min
